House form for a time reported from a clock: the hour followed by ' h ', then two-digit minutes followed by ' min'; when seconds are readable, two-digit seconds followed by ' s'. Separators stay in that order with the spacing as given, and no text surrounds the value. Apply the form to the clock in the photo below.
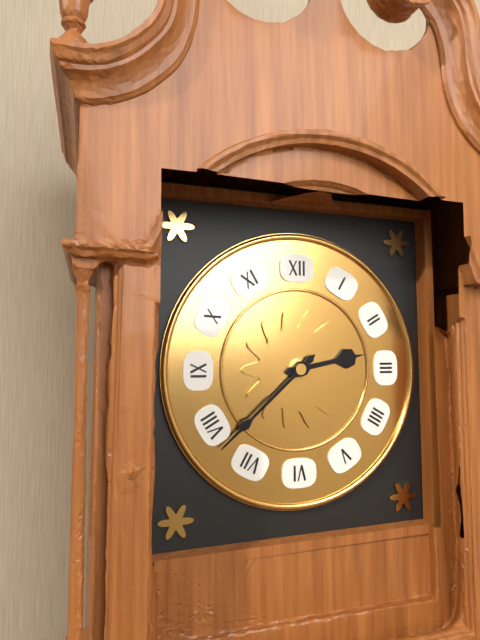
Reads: 2 h 38 min
